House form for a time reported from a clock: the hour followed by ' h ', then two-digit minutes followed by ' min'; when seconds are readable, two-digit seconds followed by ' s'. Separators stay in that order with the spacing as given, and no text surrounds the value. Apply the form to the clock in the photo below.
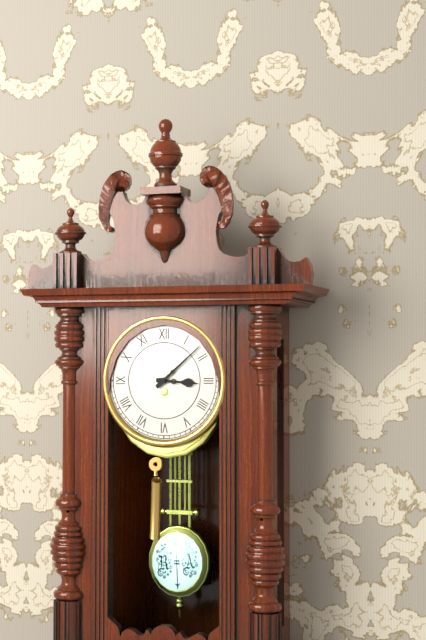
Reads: 3 h 08 min
